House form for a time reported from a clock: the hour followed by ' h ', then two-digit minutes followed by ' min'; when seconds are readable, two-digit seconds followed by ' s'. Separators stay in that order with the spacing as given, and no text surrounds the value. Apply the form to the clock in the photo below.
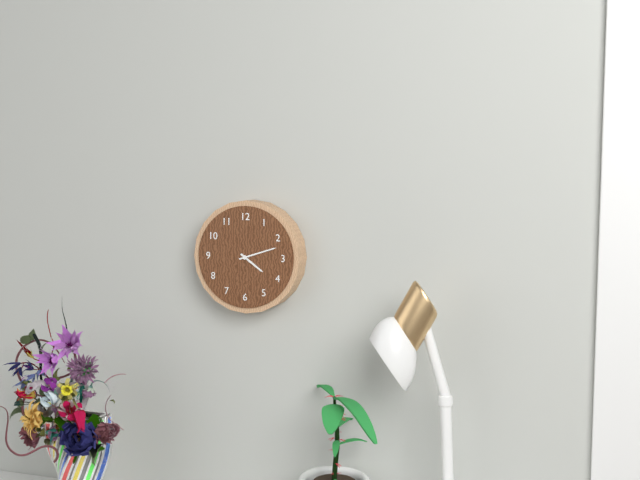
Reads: 4 h 12 min
